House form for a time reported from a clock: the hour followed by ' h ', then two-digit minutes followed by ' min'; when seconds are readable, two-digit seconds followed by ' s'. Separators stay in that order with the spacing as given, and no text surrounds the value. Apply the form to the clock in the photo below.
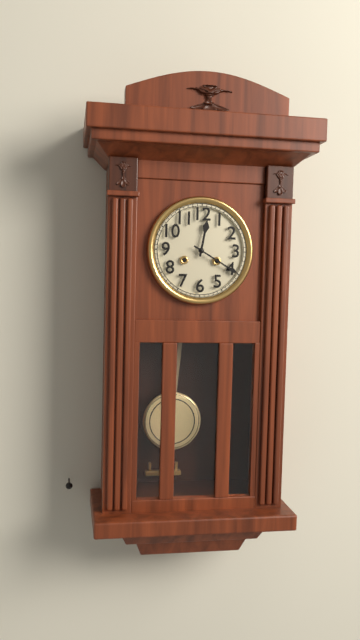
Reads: 12 h 20 min
